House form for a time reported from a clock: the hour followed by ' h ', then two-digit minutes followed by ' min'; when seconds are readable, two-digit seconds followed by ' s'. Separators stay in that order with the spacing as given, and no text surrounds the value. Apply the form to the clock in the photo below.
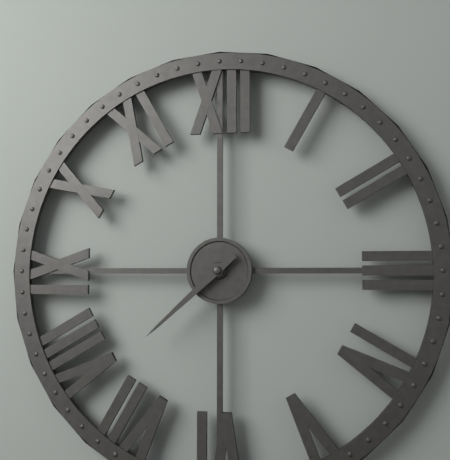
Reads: 7 h 38 min
